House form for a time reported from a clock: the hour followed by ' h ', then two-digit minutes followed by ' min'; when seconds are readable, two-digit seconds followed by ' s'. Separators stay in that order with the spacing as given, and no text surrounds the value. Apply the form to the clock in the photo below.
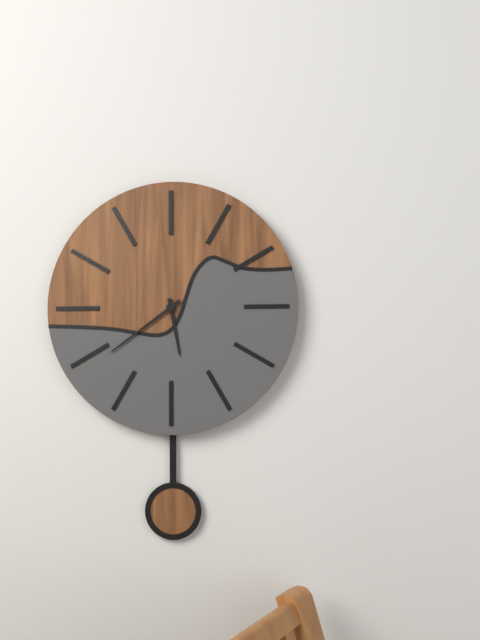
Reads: 5 h 39 min
